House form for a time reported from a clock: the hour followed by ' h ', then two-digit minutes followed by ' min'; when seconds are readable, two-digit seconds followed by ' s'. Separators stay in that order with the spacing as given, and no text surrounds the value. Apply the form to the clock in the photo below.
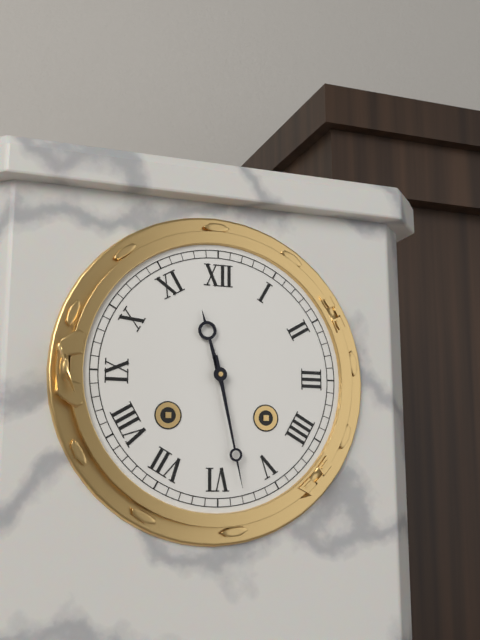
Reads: 11 h 28 min
